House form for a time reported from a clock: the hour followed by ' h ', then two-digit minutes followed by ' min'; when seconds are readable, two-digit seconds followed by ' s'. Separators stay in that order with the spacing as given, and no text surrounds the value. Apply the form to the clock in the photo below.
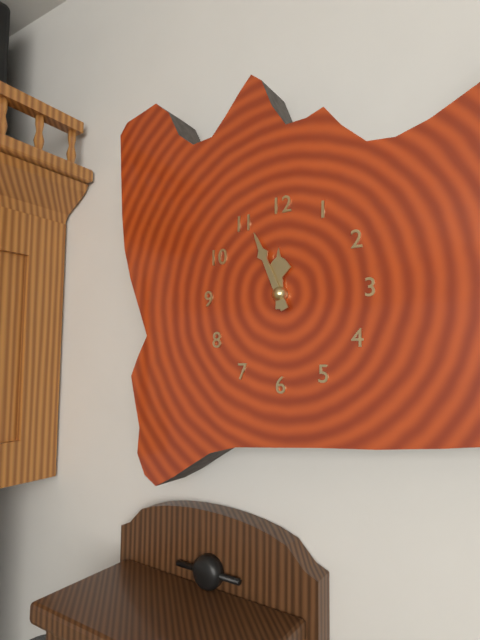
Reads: 11 h 56 min
